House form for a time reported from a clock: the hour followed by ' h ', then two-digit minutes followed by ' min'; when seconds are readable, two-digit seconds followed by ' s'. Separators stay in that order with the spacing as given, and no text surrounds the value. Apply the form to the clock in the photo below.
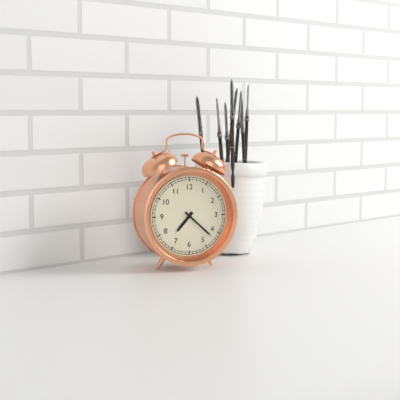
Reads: 7 h 22 min
